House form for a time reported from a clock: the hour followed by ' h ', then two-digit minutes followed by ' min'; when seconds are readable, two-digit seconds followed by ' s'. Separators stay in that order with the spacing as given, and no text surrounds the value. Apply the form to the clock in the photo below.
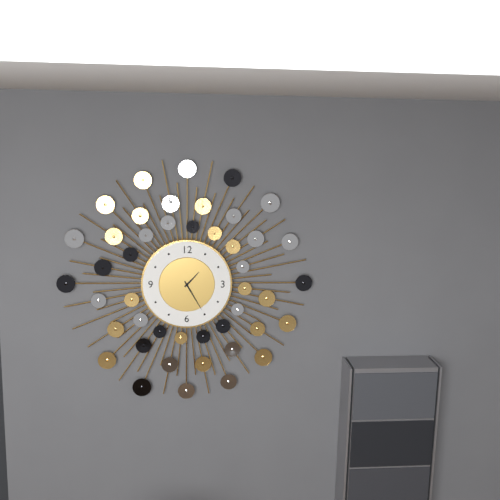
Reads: 1 h 25 min
